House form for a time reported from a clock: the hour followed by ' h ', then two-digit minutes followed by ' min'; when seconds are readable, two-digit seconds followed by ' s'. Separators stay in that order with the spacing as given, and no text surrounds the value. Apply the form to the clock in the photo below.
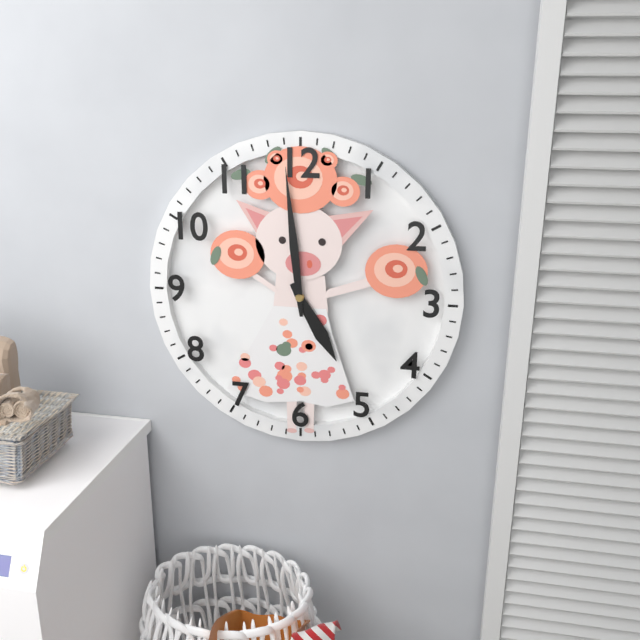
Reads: 4 h 59 min
